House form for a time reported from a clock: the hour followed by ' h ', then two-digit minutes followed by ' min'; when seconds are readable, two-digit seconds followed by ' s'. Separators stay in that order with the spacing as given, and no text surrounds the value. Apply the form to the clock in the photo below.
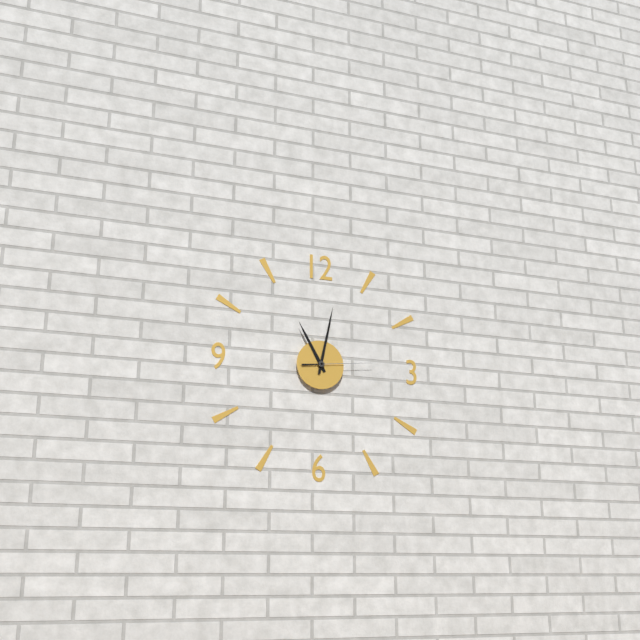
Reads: 11 h 02 min 14 s
